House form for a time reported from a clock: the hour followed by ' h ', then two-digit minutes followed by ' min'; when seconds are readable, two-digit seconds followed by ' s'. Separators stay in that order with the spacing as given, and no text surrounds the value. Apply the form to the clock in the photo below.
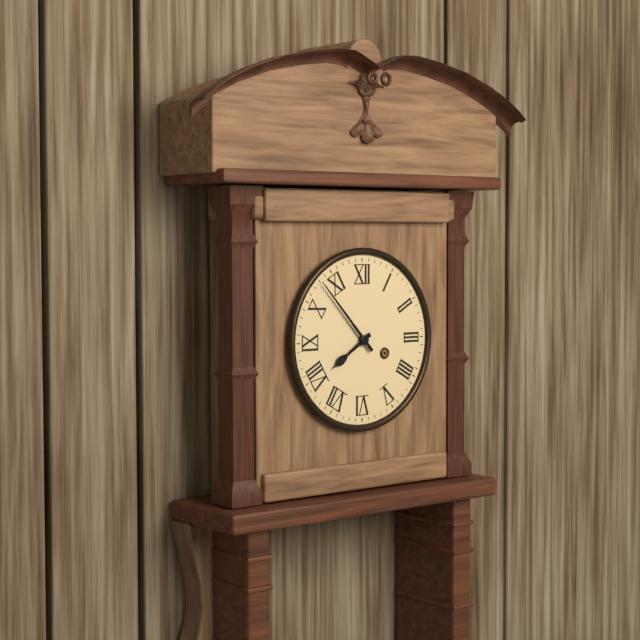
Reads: 7 h 53 min
